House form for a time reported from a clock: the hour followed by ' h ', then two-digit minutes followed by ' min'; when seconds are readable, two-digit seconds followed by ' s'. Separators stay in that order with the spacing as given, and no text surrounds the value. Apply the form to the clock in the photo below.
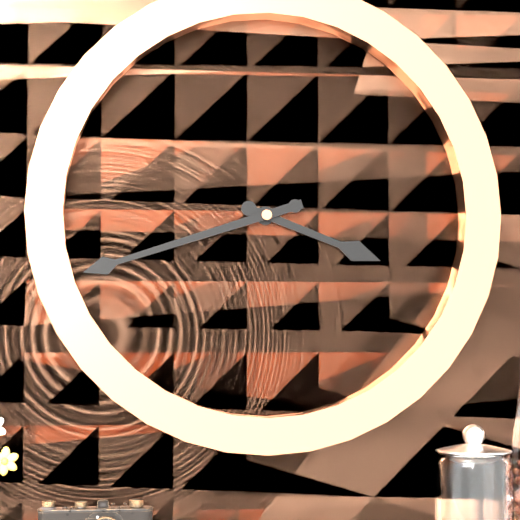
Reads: 3 h 42 min
